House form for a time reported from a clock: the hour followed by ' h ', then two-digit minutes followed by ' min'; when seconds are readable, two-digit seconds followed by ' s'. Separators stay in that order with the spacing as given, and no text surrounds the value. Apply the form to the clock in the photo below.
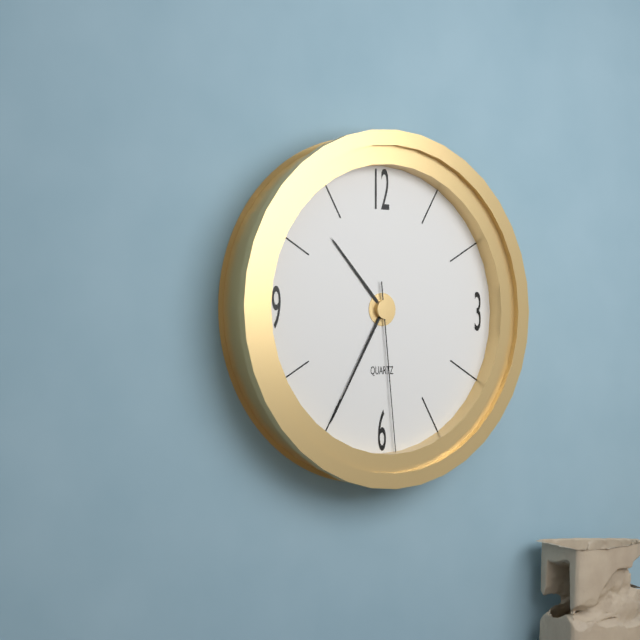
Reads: 10 h 35 min 29 s
